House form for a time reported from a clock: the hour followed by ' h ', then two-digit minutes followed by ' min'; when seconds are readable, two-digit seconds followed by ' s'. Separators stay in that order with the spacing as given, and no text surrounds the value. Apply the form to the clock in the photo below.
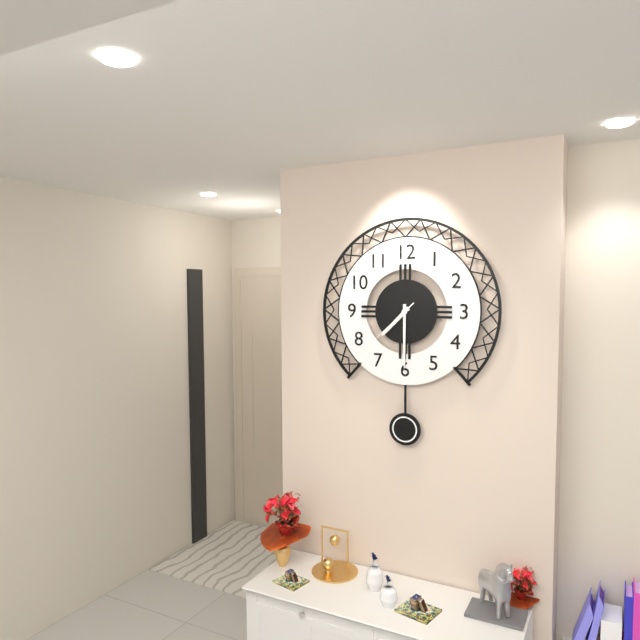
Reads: 7 h 30 min 38 s
